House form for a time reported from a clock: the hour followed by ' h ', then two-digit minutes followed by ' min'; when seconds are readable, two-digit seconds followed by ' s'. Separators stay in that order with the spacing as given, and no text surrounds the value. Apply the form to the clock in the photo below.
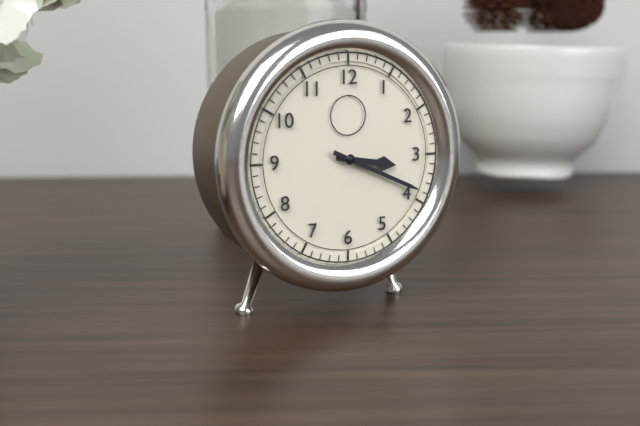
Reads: 3 h 19 min
